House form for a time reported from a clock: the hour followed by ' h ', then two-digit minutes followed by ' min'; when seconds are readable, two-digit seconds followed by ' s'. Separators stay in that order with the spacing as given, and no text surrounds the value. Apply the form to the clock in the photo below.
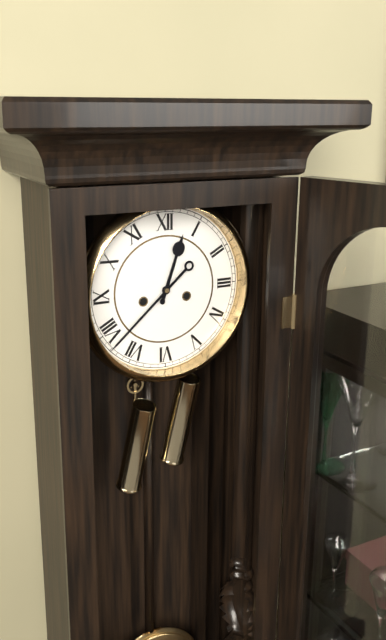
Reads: 12 h 38 min
